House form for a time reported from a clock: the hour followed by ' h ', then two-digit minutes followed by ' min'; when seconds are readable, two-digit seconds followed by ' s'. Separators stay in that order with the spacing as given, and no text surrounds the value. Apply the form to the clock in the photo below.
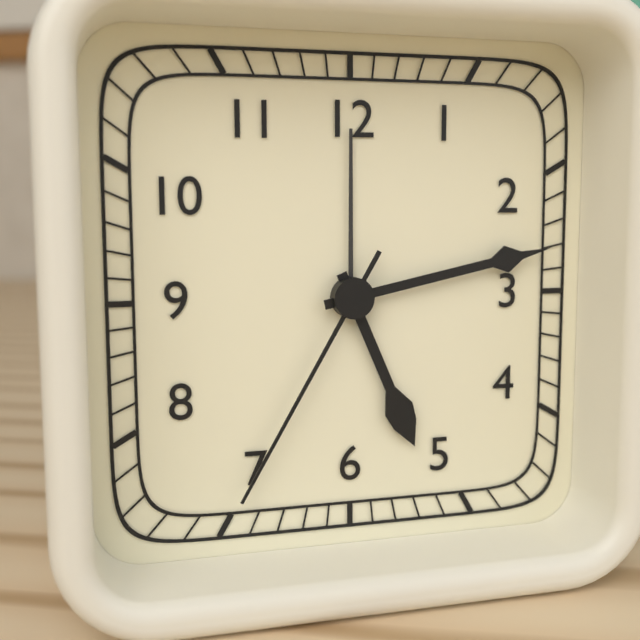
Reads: 5 h 13 min 35 s
